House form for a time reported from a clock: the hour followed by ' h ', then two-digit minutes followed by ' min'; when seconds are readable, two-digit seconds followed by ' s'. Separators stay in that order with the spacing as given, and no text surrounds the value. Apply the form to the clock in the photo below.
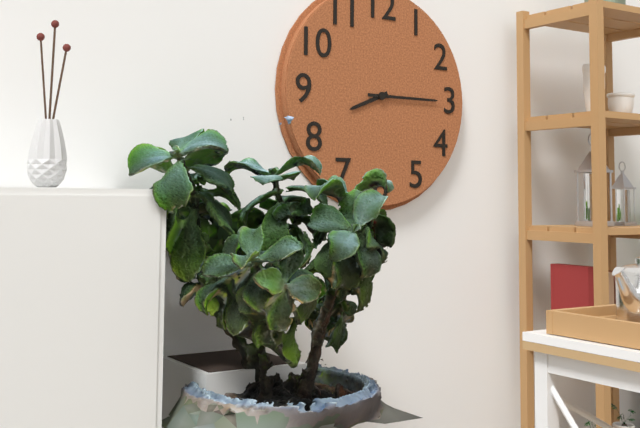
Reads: 8 h 15 min
